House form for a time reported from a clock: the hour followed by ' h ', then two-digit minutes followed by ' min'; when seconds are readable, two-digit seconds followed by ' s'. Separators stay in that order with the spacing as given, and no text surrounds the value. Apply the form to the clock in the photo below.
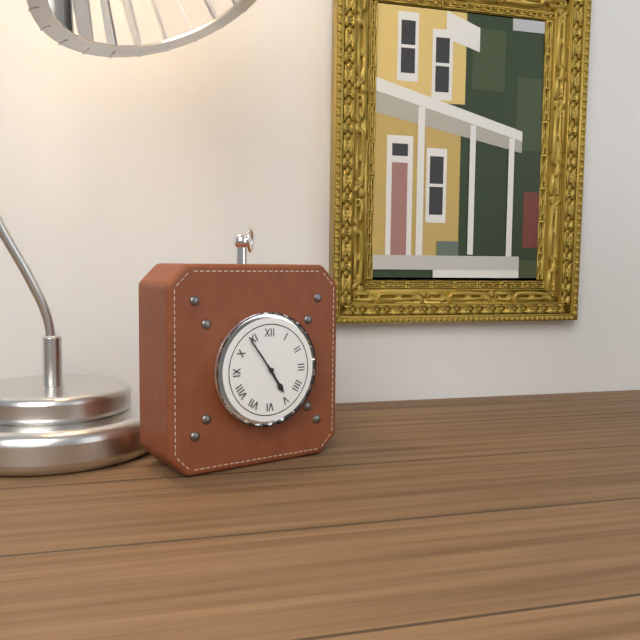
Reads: 4 h 54 min
